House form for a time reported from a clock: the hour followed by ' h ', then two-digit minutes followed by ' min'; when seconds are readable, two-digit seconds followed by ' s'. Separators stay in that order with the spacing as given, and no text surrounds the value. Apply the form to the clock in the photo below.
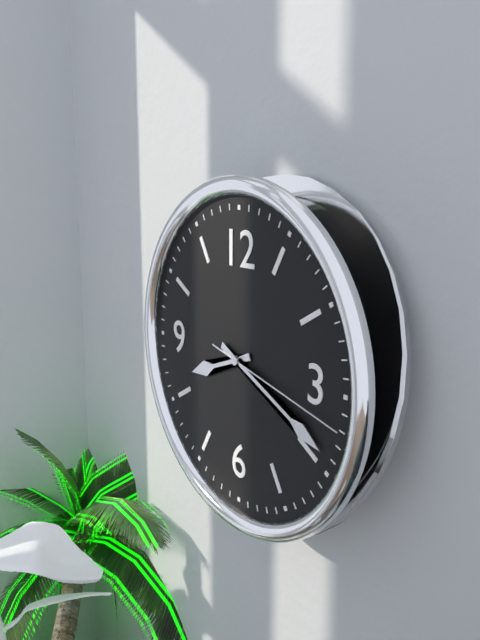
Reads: 8 h 19 min 17 s
